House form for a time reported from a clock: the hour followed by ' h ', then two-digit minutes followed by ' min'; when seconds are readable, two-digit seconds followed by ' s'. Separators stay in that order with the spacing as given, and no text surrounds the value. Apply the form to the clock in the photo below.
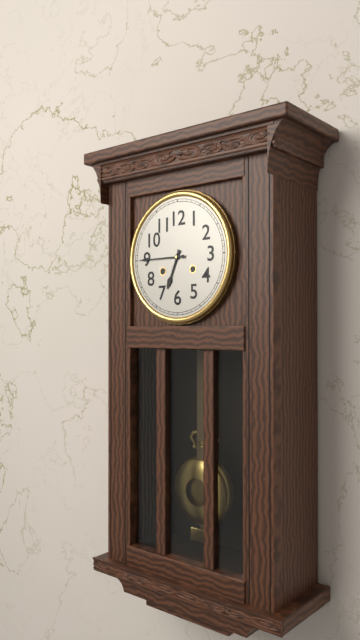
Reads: 6 h 45 min
